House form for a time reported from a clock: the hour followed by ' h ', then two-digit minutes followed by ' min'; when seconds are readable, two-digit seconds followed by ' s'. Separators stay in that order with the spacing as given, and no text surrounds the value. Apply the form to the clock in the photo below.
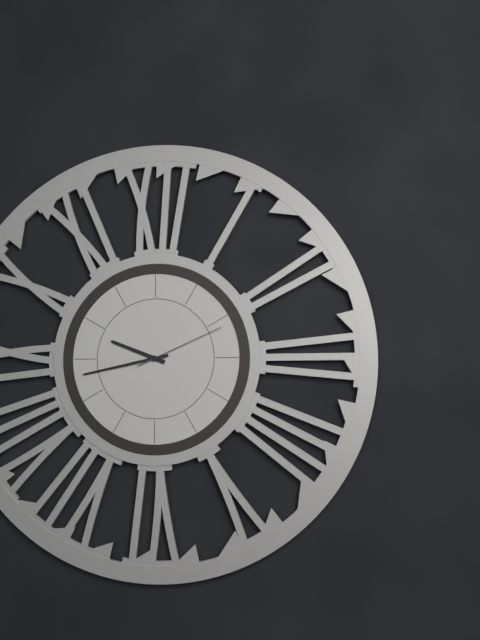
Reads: 9 h 43 min 11 s
